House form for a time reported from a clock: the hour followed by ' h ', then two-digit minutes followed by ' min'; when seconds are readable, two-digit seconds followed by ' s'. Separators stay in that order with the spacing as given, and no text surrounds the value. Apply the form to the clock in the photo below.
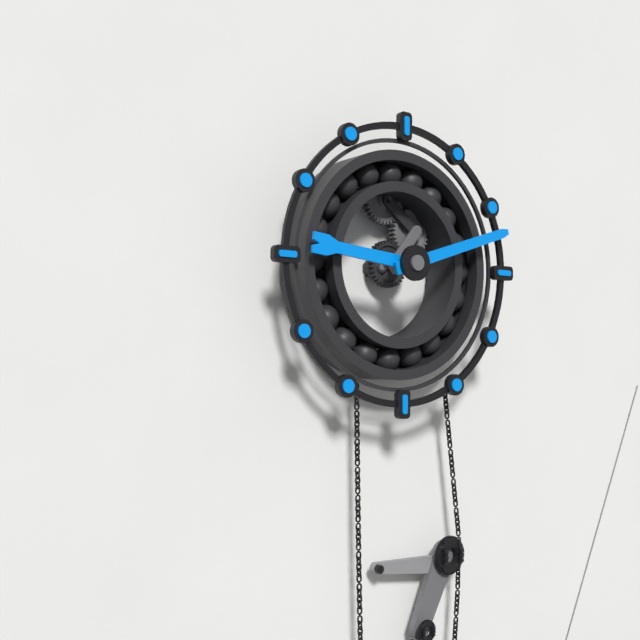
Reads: 9 h 12 min
